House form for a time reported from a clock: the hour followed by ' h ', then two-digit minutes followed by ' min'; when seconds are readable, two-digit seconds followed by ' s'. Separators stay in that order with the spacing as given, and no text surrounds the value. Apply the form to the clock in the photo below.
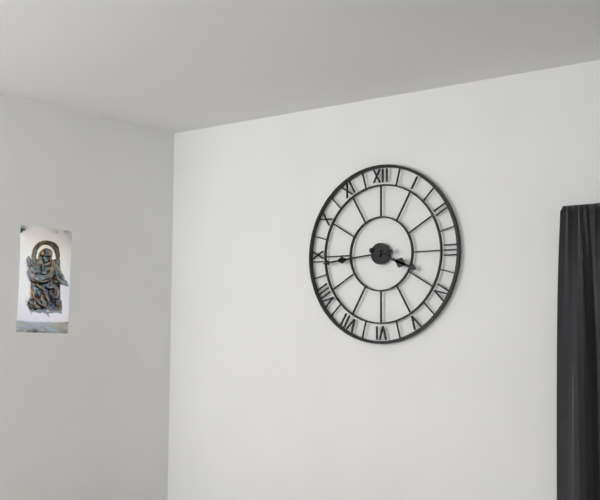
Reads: 3 h 44 min
